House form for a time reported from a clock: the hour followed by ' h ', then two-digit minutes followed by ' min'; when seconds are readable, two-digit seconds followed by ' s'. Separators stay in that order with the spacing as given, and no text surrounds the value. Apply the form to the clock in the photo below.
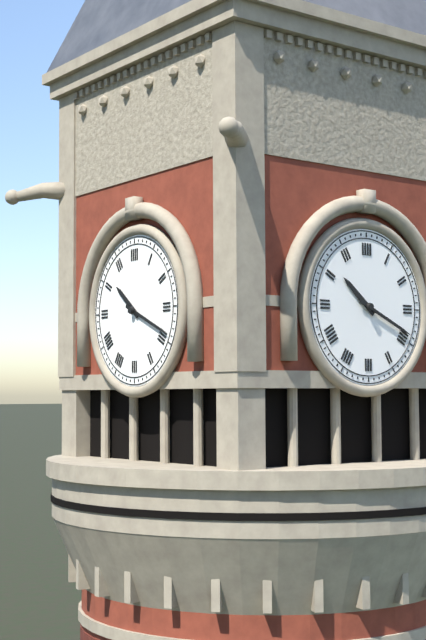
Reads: 10 h 19 min
